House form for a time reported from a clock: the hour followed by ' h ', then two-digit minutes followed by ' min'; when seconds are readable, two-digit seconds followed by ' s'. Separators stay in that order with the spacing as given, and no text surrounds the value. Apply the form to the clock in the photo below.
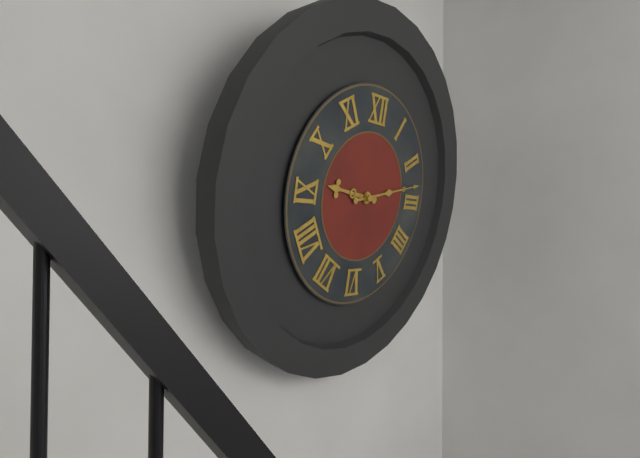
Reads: 9 h 13 min
